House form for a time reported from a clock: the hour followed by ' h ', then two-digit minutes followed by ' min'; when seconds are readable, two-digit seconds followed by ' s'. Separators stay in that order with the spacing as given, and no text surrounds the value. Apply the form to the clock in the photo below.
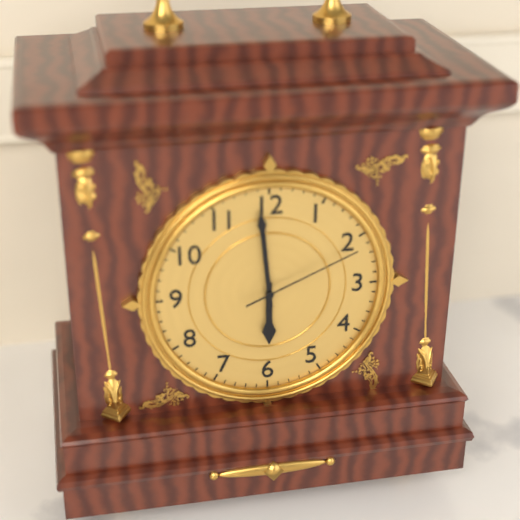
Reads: 5 h 59 min 11 s
